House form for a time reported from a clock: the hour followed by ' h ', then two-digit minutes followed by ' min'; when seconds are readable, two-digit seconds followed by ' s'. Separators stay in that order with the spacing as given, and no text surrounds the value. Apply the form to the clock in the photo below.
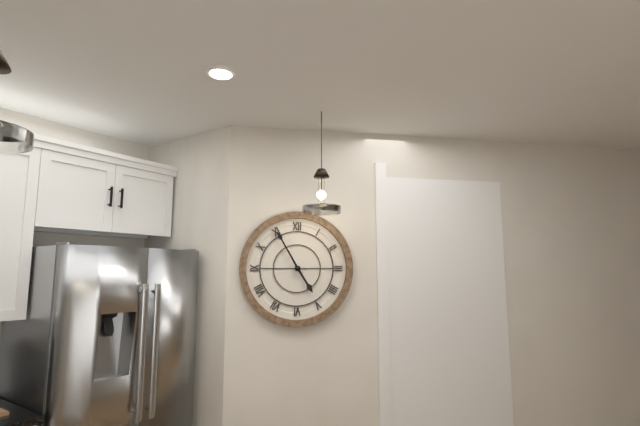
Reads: 4 h 55 min
